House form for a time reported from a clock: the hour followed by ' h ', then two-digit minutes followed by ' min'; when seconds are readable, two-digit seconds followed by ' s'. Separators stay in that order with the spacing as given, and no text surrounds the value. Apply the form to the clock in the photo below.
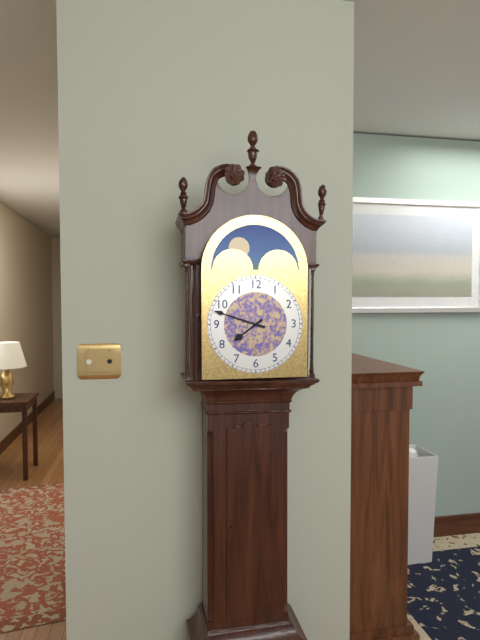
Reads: 7 h 48 min
